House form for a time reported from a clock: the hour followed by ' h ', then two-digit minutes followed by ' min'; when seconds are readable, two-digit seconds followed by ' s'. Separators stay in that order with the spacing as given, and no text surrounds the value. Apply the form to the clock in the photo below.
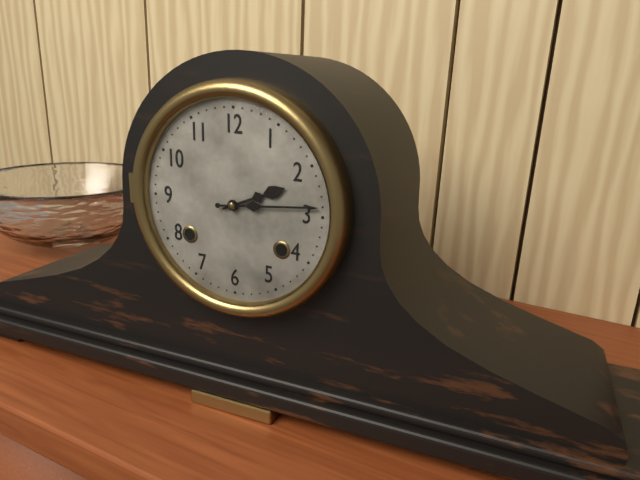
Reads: 2 h 14 min
